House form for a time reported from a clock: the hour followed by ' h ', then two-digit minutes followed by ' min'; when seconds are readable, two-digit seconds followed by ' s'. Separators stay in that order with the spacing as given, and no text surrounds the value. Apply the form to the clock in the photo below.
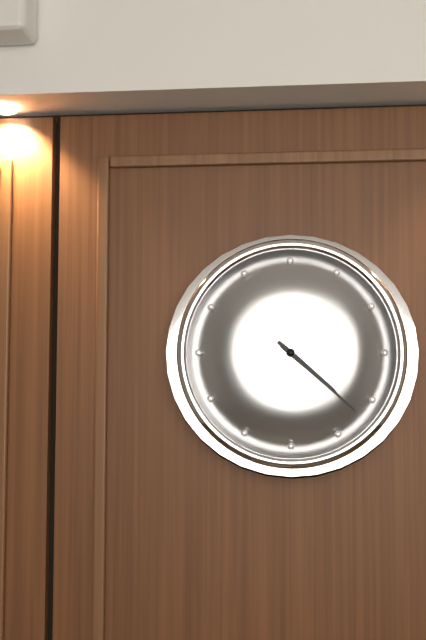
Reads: 4 h 22 min
